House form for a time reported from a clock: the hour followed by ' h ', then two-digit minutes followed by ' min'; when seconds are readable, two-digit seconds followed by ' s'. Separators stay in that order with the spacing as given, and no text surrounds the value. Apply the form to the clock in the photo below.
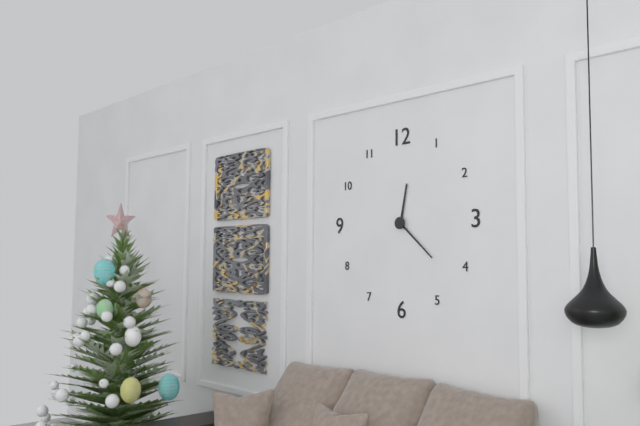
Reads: 12 h 22 min
